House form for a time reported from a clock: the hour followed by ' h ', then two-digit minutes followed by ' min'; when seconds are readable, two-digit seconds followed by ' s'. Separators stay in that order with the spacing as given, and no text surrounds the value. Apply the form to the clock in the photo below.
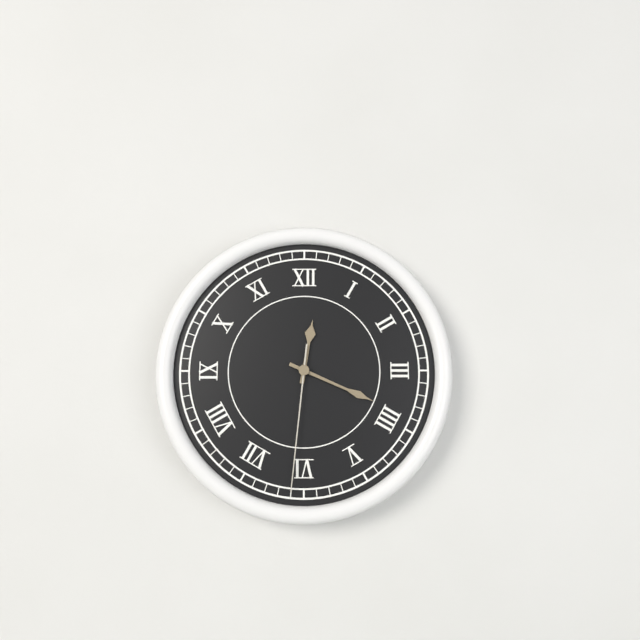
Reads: 12 h 19 min 31 s
